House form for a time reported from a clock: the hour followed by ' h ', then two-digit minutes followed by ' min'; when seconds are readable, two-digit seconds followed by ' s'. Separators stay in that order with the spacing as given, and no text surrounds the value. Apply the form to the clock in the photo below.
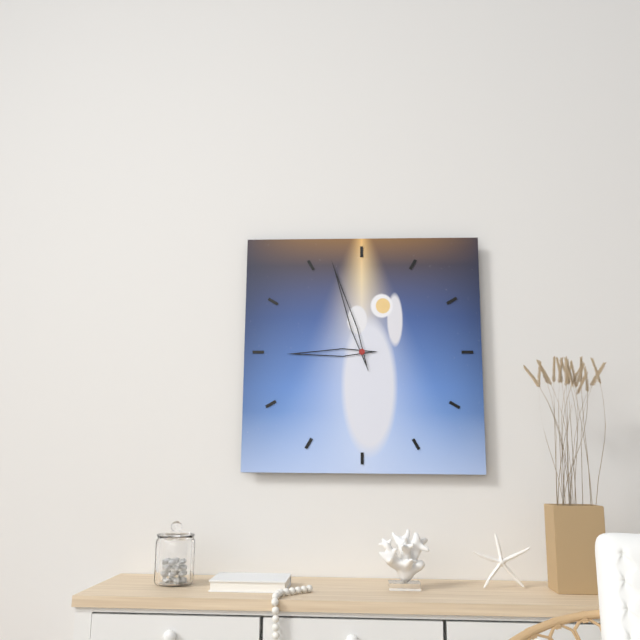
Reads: 8 h 57 min
